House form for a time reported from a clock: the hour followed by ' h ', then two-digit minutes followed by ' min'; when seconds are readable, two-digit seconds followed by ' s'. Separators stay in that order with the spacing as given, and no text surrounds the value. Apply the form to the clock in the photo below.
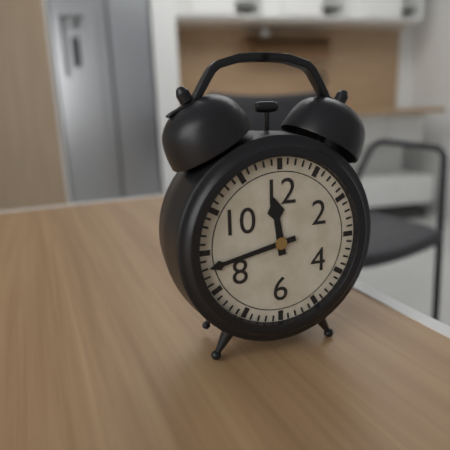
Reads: 11 h 43 min
